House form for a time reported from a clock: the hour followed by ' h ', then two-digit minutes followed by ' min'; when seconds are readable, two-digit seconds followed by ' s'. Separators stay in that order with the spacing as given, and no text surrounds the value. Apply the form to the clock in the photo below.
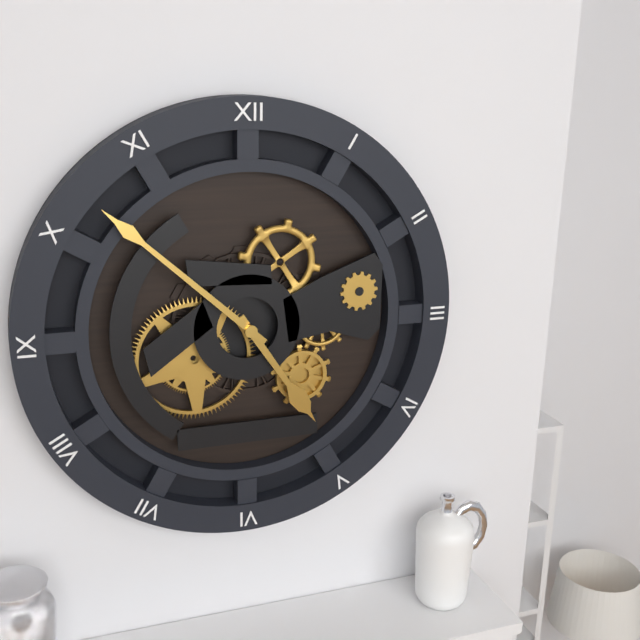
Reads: 4 h 52 min
